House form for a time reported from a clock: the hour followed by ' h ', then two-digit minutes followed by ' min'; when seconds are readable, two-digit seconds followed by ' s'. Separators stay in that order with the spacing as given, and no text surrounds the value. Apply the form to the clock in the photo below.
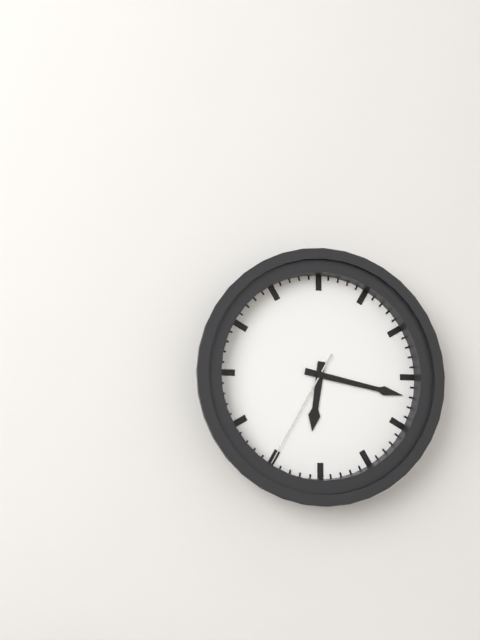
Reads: 6 h 17 min 35 s
